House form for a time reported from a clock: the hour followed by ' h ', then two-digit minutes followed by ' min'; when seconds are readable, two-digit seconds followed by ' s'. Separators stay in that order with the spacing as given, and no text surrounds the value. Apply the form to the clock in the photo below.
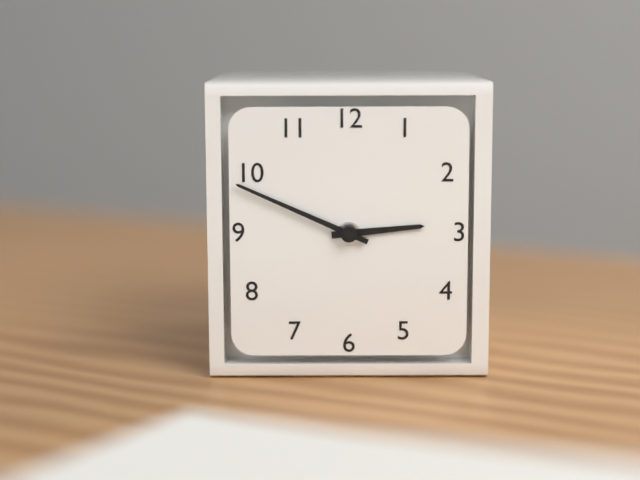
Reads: 2 h 49 min
